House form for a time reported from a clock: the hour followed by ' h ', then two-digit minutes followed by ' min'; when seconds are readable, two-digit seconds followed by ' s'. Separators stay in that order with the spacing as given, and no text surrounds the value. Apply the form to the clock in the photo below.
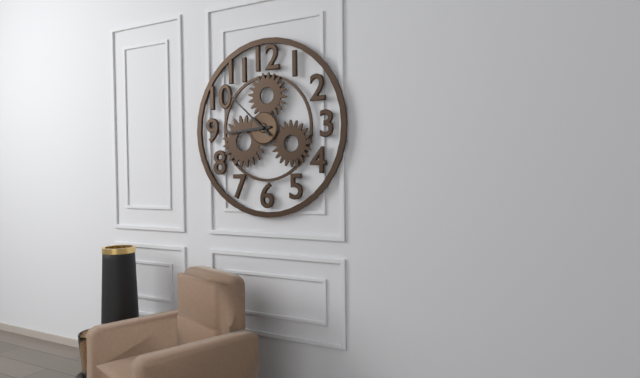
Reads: 8 h 52 min
